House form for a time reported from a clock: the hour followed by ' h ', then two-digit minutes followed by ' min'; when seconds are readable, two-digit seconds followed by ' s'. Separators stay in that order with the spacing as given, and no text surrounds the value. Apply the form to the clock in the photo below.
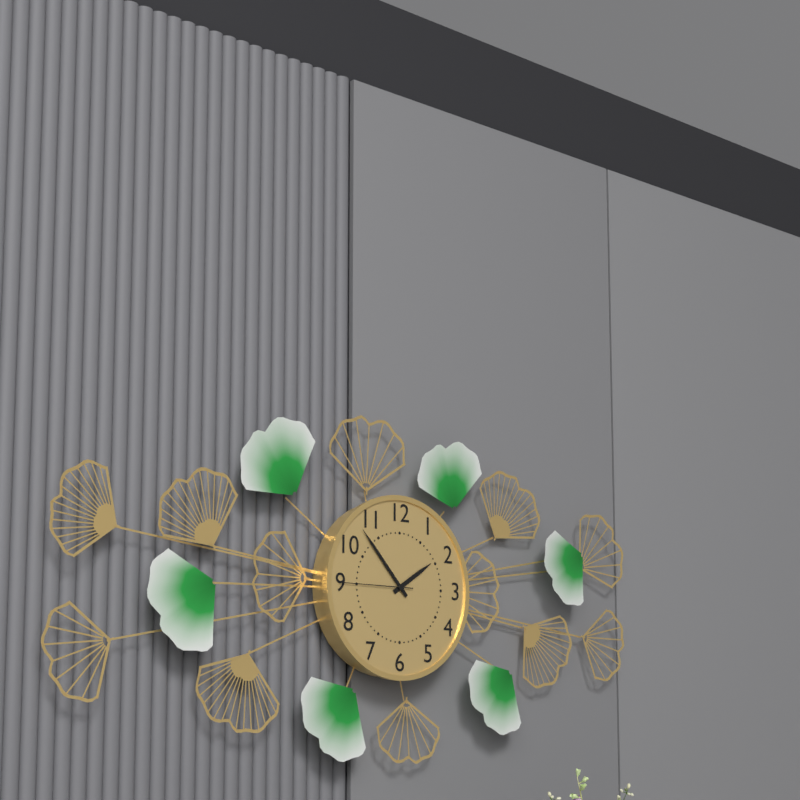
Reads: 1 h 53 min 45 s
